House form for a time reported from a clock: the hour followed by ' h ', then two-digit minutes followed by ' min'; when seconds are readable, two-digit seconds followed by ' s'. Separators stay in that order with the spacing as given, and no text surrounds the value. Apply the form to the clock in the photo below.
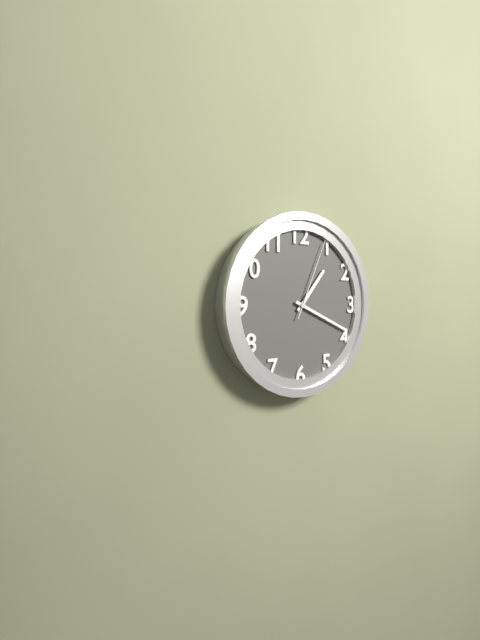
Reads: 1 h 19 min 04 s
